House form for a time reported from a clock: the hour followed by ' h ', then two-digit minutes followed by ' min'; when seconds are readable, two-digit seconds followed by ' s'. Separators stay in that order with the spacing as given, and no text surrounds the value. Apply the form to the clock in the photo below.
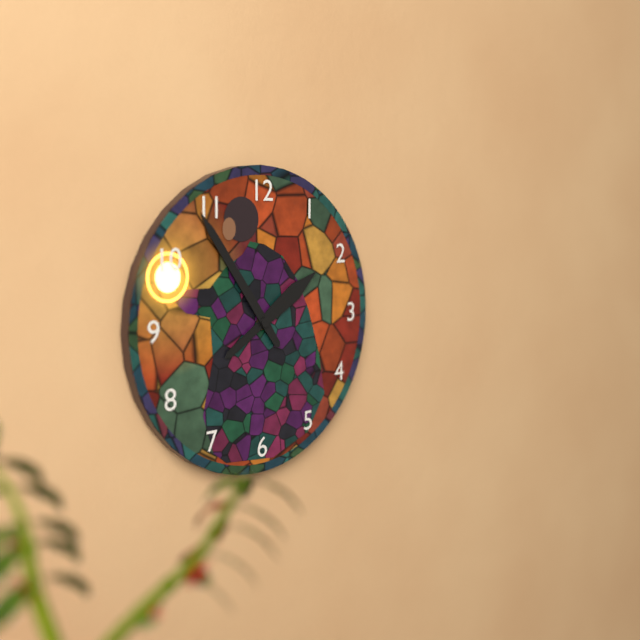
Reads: 1 h 54 min
